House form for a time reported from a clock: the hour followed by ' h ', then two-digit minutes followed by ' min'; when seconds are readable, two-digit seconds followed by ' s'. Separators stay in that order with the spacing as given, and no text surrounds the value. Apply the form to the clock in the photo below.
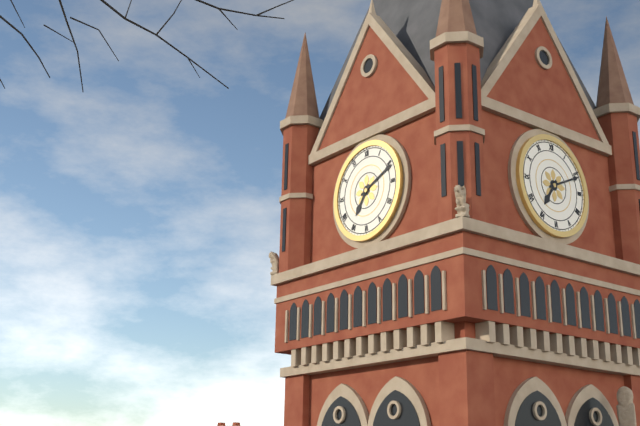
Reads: 7 h 11 min
